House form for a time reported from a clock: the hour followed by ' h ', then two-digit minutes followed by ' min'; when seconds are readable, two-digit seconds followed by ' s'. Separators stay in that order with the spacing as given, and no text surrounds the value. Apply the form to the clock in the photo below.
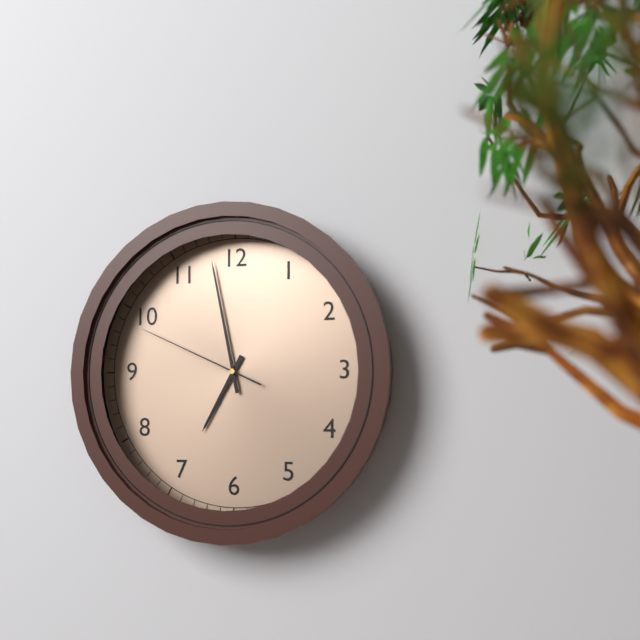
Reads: 6 h 58 min 49 s
